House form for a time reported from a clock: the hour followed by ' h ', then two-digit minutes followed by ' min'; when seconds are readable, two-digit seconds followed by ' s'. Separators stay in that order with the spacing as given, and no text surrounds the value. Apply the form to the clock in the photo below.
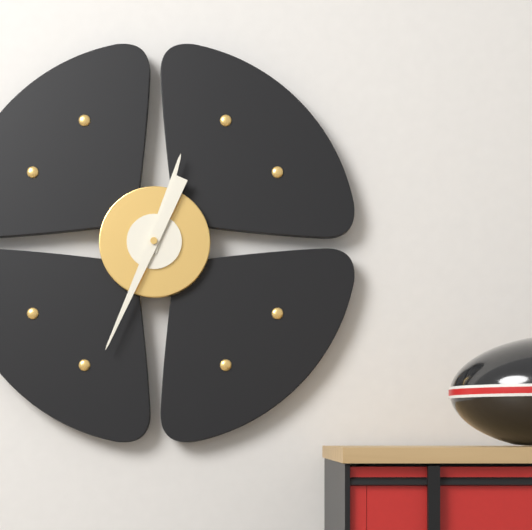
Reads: 12 h 34 min
